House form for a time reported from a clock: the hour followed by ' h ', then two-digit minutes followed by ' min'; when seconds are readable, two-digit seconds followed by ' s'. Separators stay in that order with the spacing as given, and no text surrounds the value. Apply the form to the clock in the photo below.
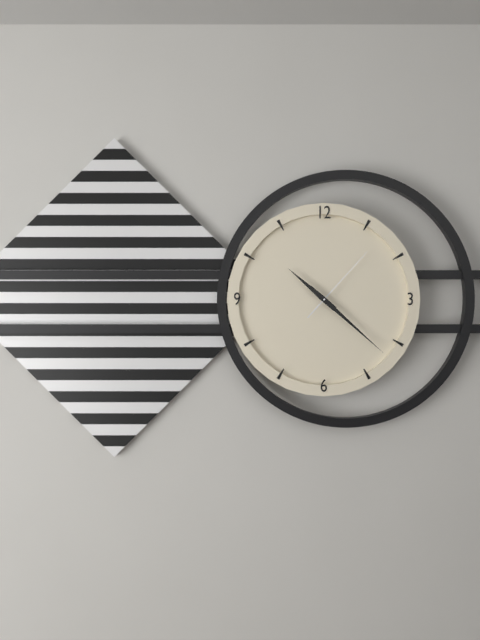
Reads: 10 h 22 min 07 s
